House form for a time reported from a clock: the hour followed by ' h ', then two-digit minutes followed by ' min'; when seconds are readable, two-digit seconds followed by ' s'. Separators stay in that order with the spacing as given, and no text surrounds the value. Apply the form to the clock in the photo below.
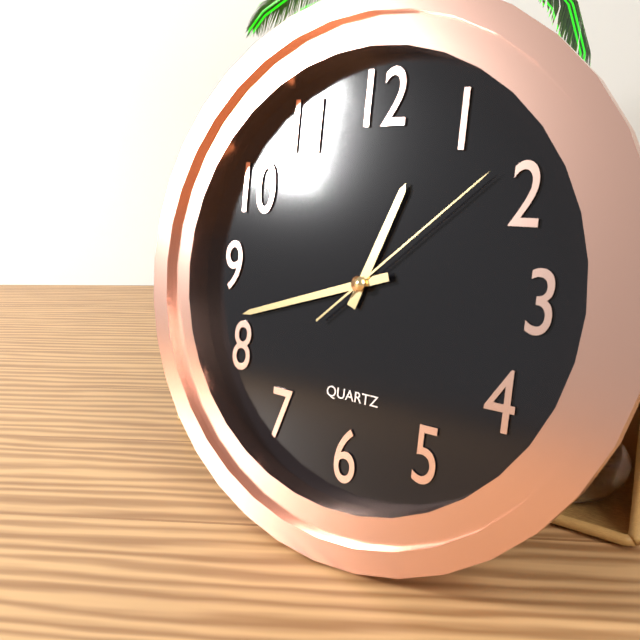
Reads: 12 h 42 min 08 s
